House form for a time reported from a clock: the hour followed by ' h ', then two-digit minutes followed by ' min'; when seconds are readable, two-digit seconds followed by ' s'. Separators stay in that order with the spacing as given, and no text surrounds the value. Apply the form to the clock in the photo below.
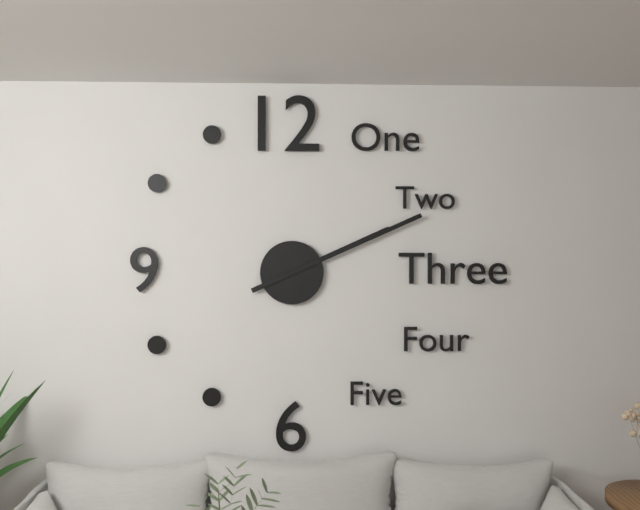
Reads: 2 h 11 min
